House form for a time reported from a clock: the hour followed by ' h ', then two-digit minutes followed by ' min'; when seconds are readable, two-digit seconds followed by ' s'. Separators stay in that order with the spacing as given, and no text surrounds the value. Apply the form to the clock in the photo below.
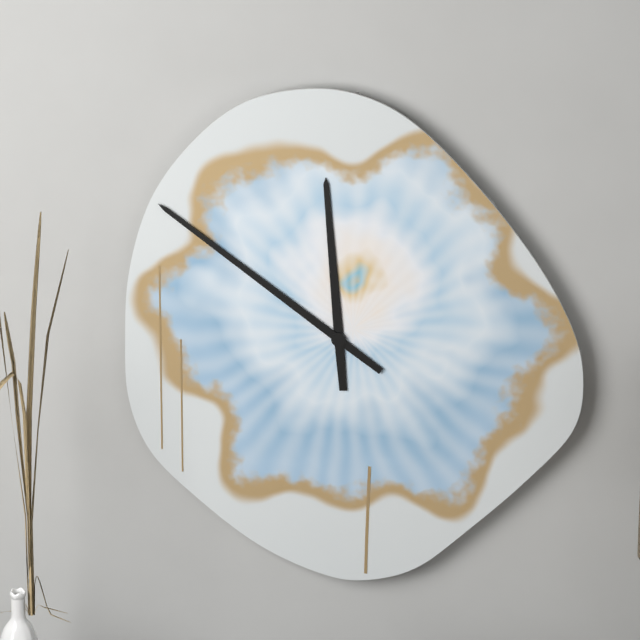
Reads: 11 h 51 min
